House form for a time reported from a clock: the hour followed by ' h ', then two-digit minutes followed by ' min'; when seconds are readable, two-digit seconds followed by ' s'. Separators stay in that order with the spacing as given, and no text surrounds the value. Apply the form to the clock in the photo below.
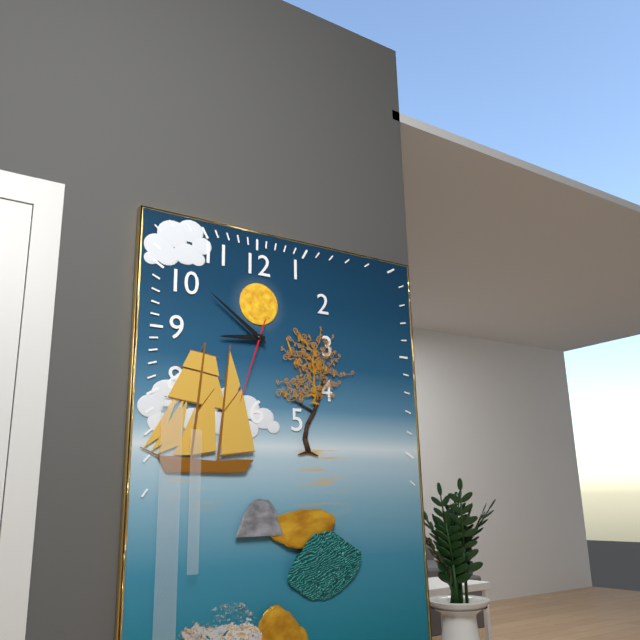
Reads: 8 h 51 min 33 s
